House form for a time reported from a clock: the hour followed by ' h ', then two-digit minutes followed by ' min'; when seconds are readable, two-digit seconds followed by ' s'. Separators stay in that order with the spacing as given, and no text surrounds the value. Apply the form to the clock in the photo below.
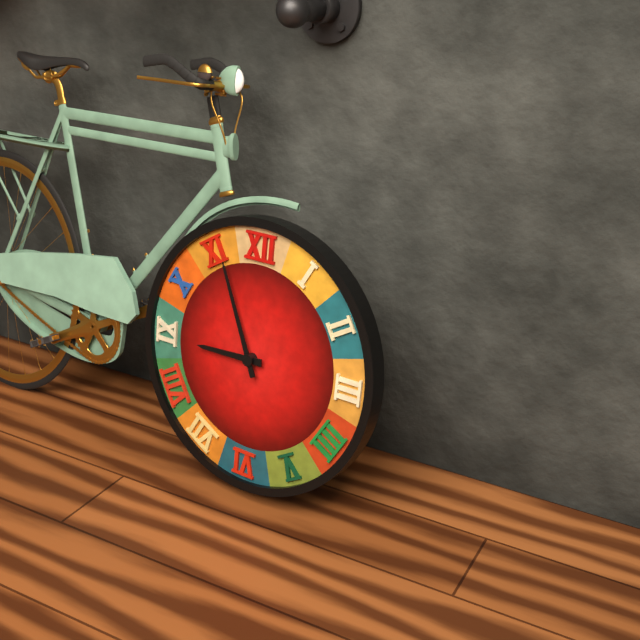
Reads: 8 h 56 min
